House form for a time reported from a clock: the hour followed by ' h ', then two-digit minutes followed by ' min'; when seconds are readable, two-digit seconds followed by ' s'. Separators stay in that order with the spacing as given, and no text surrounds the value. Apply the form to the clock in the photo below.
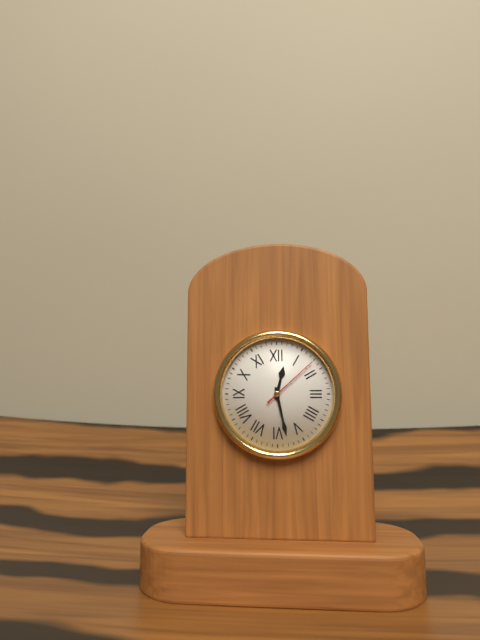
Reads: 12 h 28 min 08 s
